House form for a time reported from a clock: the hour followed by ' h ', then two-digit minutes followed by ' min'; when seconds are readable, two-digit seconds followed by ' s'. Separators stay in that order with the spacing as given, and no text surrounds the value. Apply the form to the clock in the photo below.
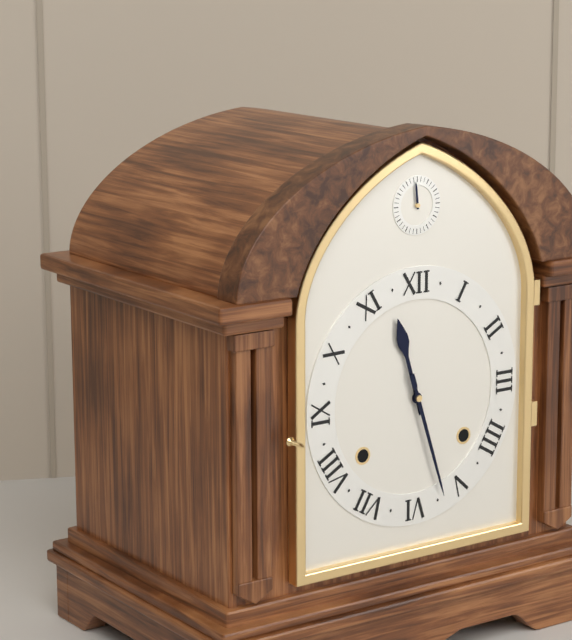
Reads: 11 h 27 min
